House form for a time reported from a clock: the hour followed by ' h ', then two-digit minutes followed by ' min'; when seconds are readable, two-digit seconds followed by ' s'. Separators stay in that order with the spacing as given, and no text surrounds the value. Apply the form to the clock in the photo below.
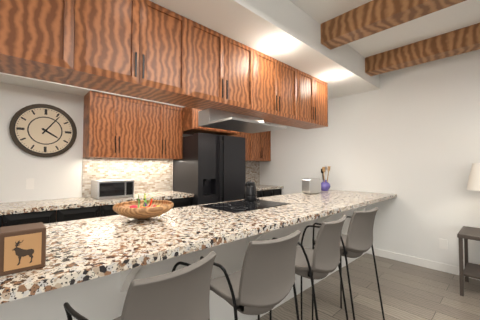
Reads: 4 h 06 min
